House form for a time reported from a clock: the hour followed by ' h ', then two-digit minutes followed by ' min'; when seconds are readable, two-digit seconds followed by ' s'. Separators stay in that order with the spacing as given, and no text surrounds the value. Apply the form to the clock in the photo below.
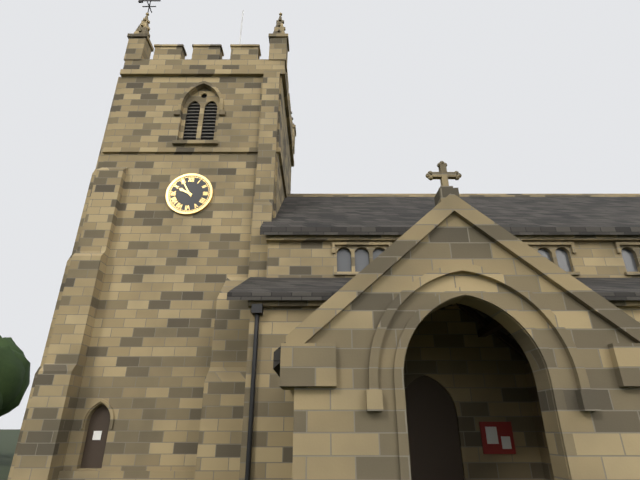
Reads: 9 h 55 min
